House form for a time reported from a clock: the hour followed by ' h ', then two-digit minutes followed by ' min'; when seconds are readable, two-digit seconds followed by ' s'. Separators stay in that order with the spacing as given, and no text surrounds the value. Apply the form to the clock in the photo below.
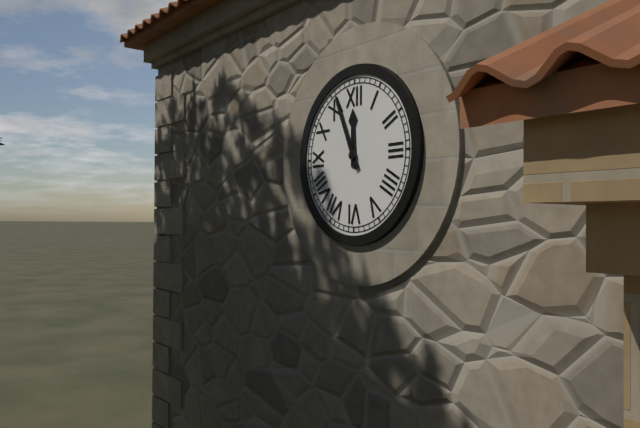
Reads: 11 h 56 min
